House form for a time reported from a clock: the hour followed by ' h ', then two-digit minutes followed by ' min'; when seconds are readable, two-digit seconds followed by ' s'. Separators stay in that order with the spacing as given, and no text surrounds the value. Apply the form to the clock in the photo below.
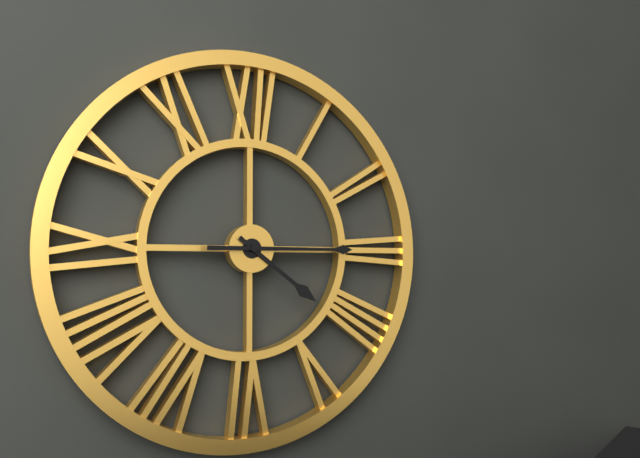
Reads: 4 h 15 min
